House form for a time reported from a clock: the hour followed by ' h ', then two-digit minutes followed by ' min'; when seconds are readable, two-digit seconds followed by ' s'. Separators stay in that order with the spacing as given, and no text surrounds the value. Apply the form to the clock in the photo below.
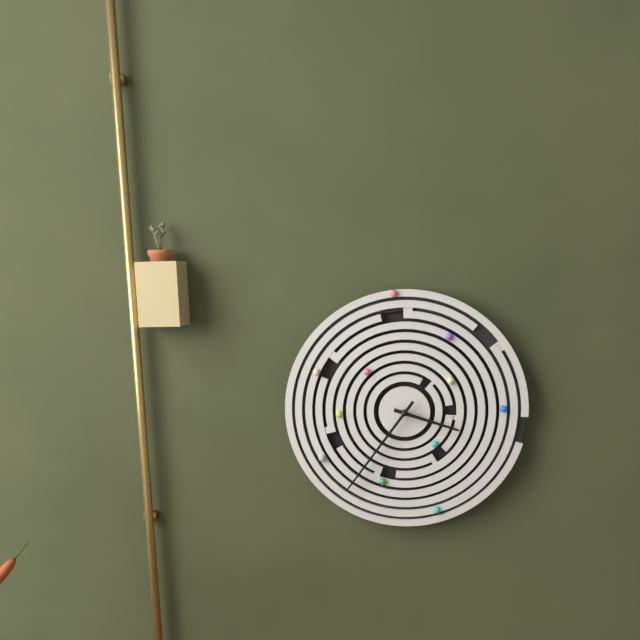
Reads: 3 h 36 min
